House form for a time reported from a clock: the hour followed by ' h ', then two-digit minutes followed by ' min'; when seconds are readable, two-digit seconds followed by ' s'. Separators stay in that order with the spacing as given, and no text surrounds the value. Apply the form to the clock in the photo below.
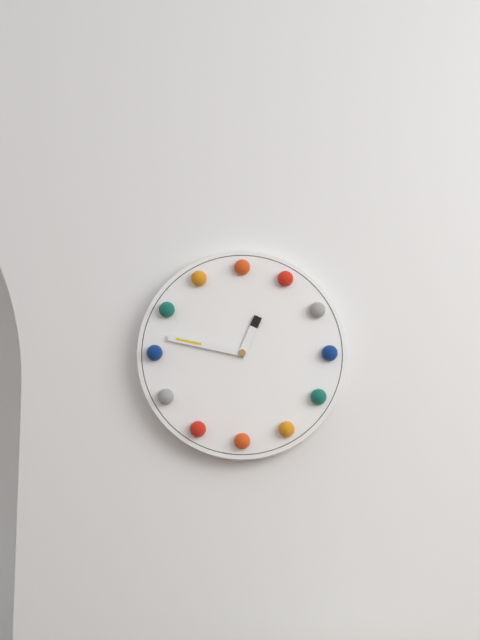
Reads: 12 h 47 min
